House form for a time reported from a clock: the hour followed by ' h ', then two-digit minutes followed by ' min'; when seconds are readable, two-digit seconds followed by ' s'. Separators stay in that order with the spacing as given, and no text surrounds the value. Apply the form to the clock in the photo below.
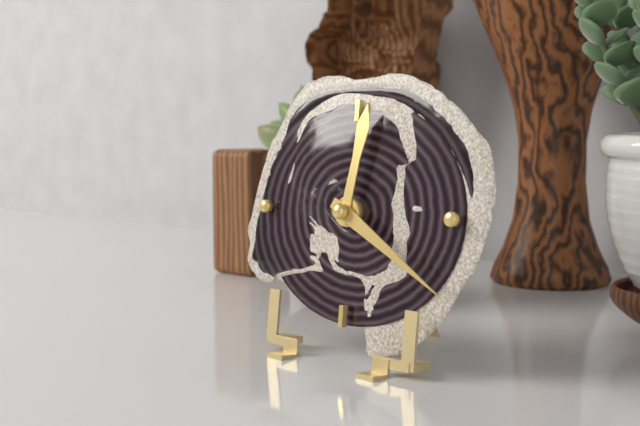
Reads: 12 h 20 min
